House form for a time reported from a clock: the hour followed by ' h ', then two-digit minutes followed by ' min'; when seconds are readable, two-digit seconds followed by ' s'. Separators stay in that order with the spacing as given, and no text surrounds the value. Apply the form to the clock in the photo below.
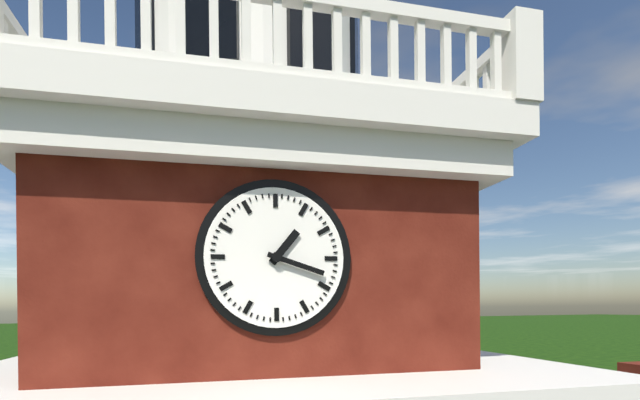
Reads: 1 h 18 min
